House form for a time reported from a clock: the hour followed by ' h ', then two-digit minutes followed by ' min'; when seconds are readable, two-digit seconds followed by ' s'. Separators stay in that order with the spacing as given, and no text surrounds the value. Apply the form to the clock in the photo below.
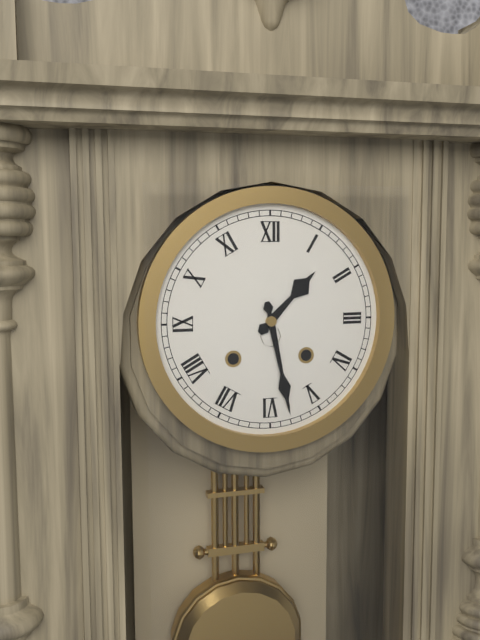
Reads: 1 h 28 min
